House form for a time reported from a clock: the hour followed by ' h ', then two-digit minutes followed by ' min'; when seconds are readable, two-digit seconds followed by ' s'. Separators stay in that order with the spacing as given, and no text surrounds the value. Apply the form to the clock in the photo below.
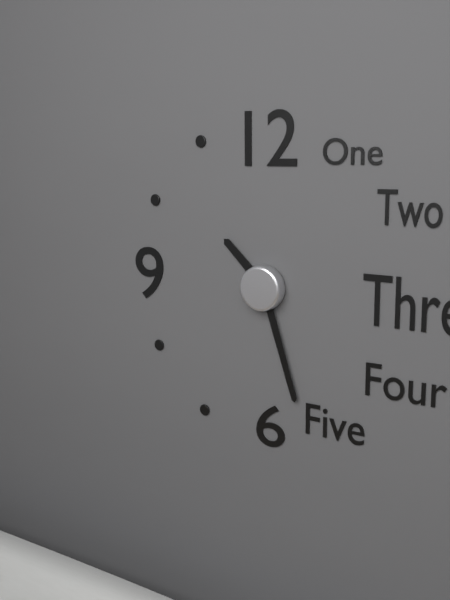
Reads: 10 h 27 min
